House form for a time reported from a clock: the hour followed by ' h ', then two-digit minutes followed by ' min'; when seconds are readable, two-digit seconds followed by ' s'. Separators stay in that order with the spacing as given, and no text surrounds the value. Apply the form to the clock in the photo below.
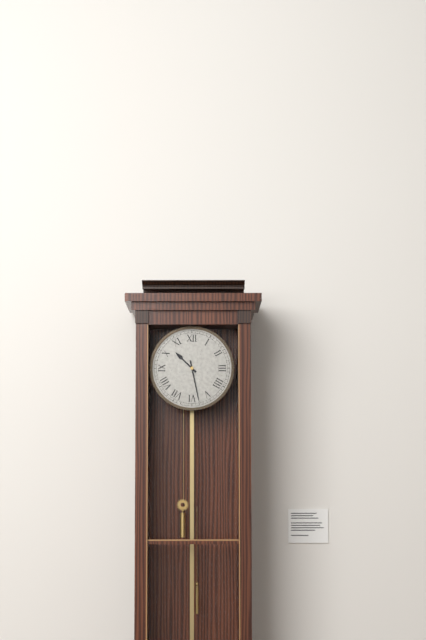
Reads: 10 h 28 min
